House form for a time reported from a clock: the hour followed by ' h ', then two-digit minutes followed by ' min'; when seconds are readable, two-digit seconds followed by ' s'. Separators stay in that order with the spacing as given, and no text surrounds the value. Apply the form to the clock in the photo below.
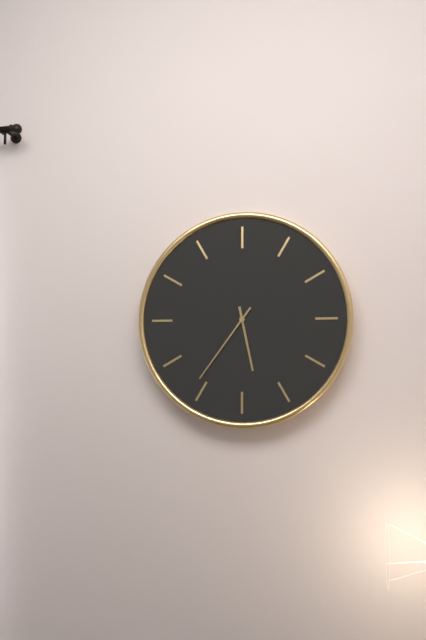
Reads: 5 h 36 min
